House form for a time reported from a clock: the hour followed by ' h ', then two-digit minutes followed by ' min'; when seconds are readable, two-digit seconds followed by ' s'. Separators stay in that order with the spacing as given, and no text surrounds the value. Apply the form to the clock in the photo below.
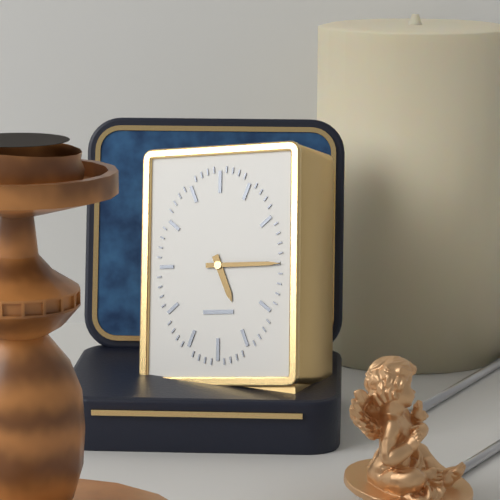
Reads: 5 h 15 min
